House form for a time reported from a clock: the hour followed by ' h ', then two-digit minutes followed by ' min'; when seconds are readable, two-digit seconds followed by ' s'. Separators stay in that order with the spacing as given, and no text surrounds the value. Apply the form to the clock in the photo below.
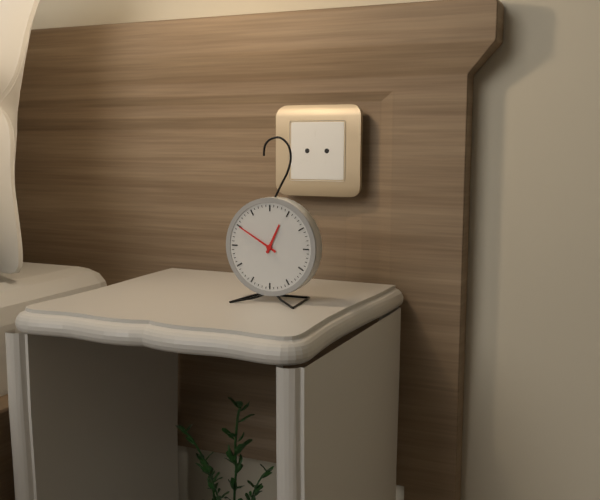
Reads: 12 h 50 min
